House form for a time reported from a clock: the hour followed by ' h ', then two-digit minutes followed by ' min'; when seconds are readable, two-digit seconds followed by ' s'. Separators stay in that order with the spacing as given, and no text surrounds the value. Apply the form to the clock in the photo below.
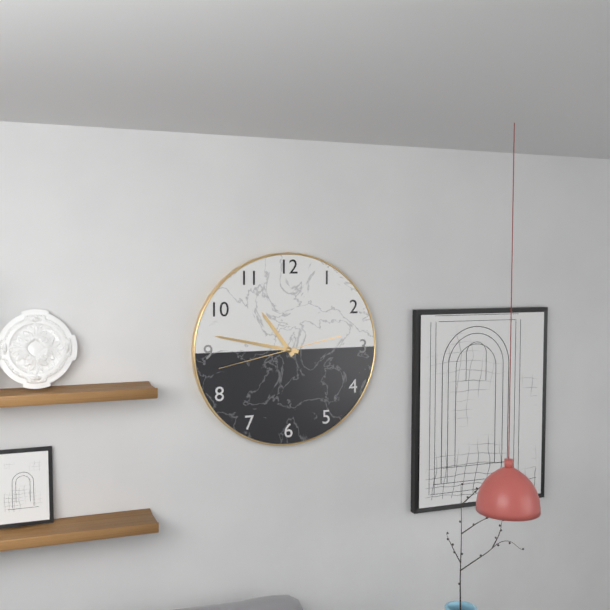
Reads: 10 h 47 min 43 s
